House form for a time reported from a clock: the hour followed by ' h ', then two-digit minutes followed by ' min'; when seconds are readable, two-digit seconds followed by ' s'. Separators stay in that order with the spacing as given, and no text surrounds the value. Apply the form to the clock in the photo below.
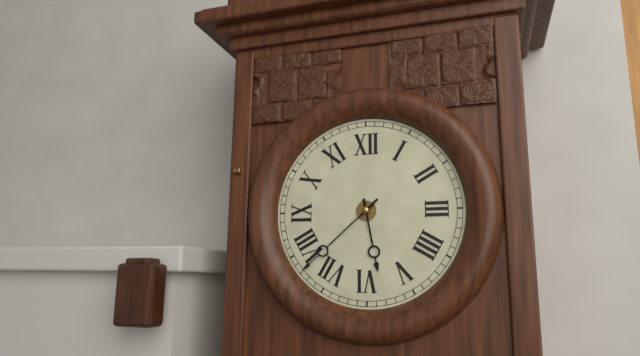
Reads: 5 h 38 min
